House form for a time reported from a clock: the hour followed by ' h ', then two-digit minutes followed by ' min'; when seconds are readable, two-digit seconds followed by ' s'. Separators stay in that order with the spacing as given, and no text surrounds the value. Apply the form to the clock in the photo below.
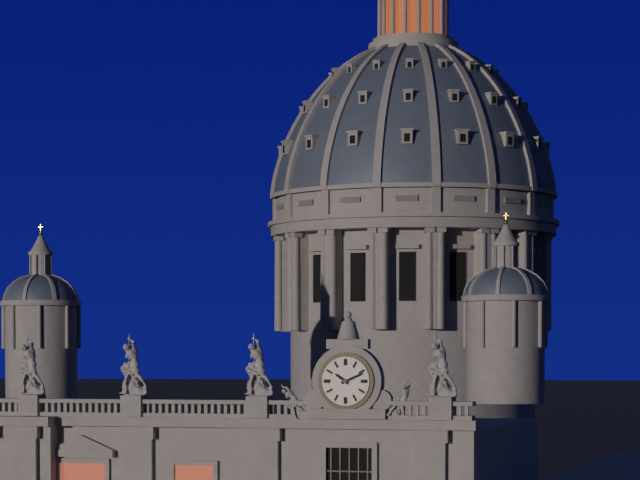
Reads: 10 h 11 min
